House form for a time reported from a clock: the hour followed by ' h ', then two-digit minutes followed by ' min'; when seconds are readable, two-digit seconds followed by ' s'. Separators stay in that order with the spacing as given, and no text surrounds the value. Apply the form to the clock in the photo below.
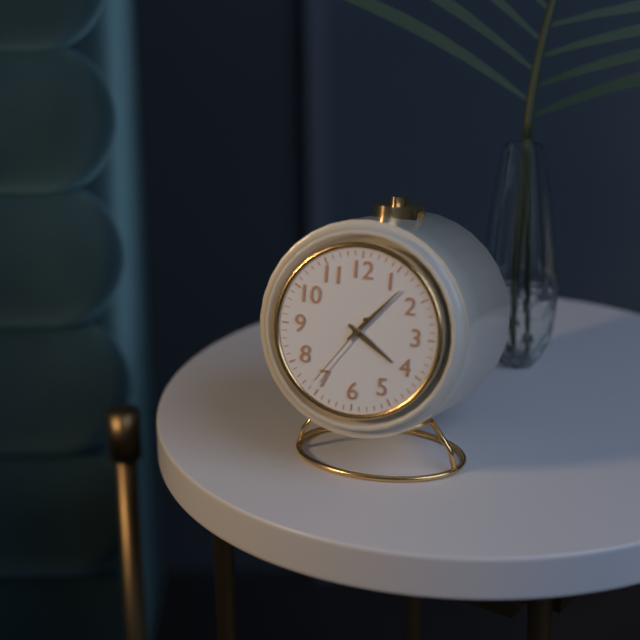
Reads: 4 h 07 min 36 s
